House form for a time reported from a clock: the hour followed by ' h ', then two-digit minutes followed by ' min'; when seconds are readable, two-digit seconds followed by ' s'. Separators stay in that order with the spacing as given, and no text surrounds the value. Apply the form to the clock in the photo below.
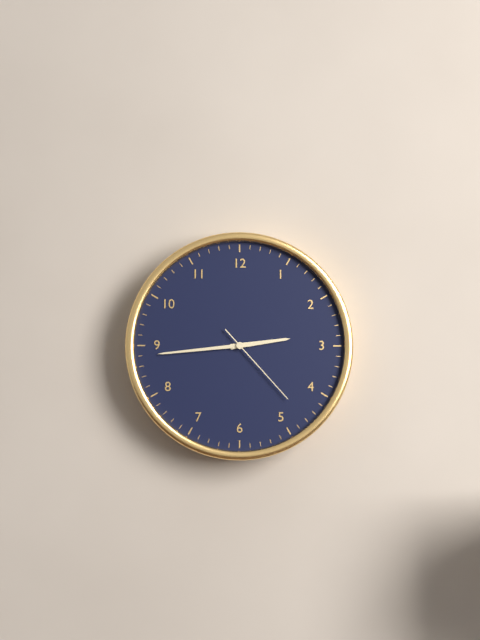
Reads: 2 h 44 min 23 s
